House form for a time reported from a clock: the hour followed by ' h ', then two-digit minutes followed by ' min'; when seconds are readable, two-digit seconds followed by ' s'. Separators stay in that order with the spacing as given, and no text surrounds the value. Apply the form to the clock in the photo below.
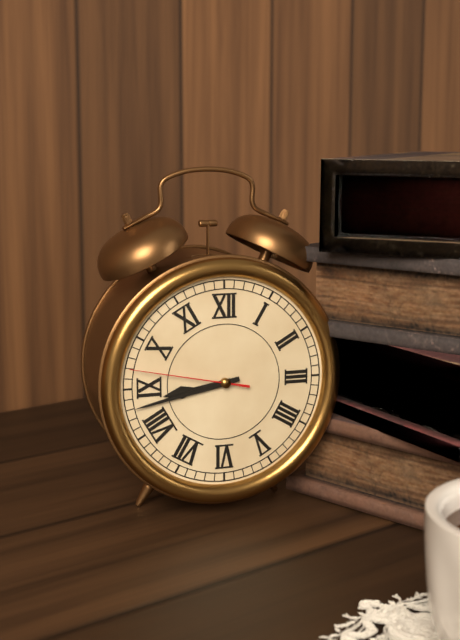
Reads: 8 h 43 min 47 s
